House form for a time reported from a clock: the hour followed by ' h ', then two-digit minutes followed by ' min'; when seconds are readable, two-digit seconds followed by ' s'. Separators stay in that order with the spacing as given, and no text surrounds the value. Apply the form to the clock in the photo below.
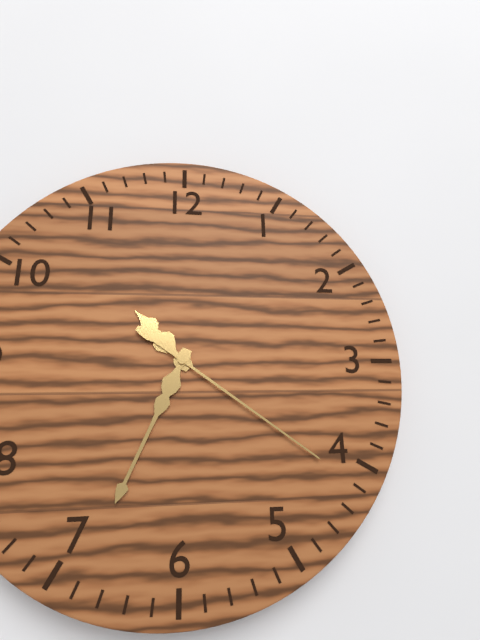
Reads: 10 h 34 min 21 s
